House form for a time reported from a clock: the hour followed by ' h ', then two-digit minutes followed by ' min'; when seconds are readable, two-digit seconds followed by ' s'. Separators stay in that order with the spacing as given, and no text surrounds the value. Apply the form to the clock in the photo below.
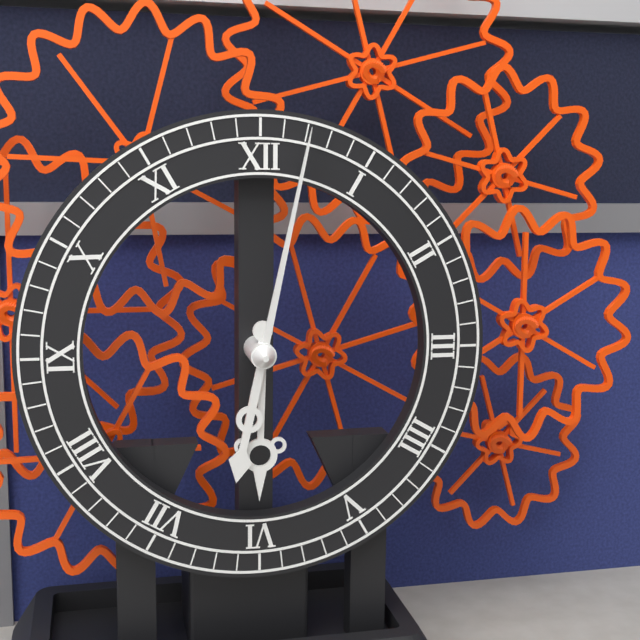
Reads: 6 h 02 min
